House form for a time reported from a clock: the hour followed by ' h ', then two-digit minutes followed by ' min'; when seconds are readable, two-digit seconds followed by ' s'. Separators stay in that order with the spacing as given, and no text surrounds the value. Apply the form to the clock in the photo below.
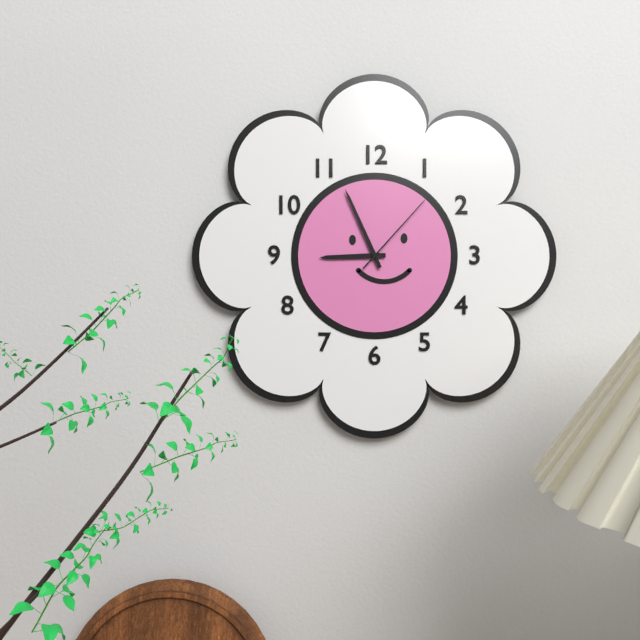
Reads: 8 h 56 min 07 s
